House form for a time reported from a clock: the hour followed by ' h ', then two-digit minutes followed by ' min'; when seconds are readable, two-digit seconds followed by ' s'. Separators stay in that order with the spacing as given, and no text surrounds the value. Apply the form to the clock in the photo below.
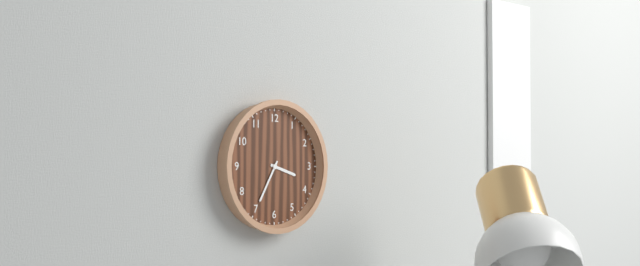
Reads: 3 h 35 min
